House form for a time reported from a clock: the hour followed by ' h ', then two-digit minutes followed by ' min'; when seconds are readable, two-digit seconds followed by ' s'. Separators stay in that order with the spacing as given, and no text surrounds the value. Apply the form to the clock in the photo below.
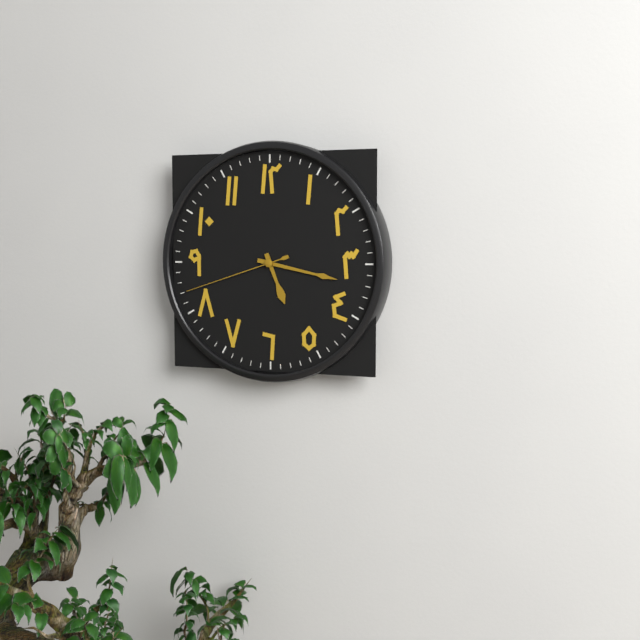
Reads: 5 h 17 min 42 s
